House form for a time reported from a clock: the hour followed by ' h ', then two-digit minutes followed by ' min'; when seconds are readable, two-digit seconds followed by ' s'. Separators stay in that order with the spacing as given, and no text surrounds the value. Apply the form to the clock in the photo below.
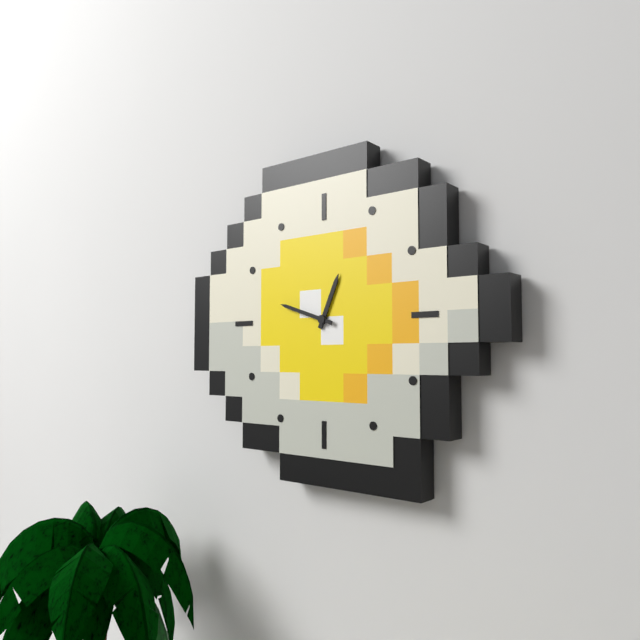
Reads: 12 h 48 min
